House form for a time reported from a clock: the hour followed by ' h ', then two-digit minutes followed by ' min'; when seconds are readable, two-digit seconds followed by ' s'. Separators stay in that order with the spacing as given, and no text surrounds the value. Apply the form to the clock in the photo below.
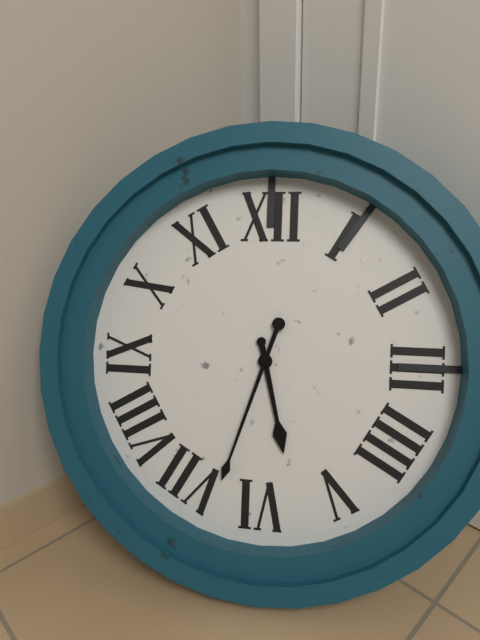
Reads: 5 h 33 min
